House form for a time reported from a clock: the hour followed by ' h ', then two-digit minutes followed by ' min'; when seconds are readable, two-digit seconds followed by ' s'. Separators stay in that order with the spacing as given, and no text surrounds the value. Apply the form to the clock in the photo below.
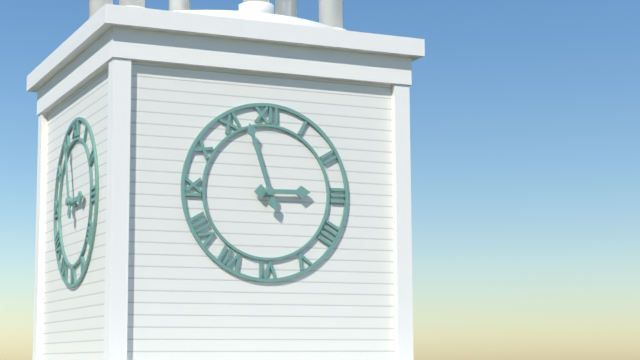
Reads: 2 h 57 min
